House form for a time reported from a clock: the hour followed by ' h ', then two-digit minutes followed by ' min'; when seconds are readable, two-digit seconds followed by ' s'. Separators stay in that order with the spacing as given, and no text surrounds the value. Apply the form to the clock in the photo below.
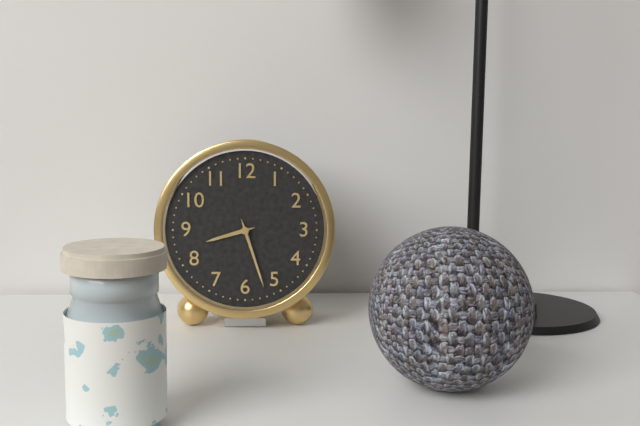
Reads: 8 h 27 min
